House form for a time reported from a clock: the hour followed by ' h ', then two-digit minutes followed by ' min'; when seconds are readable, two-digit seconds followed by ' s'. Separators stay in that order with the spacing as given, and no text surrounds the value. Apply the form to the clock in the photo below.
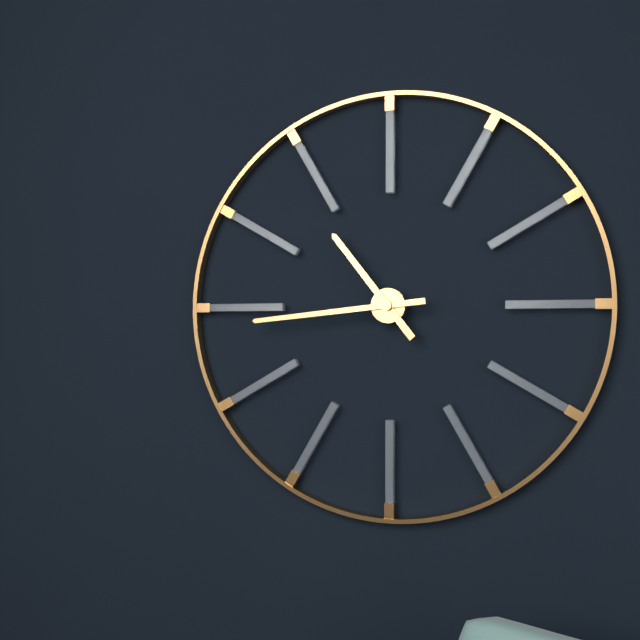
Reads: 10 h 44 min
